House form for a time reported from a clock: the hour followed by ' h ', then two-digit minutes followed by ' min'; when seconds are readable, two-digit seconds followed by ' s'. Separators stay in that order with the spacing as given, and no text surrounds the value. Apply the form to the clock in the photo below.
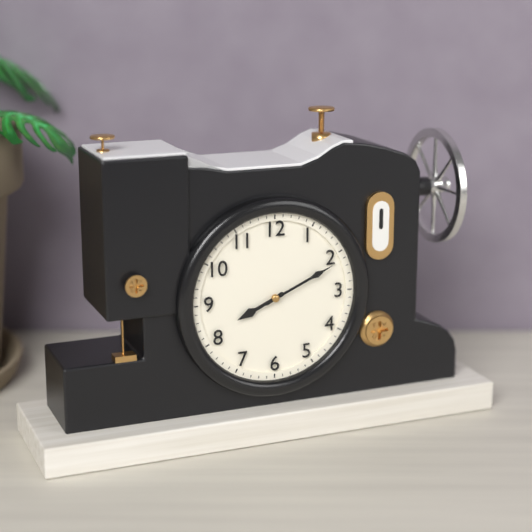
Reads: 8 h 11 min
